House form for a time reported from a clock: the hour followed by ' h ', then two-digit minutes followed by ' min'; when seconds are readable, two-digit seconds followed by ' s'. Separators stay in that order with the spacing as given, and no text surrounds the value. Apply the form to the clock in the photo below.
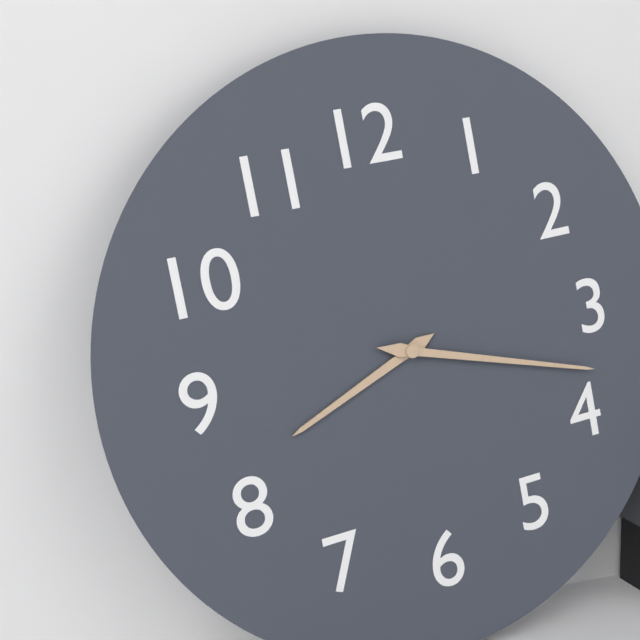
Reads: 8 h 18 min
